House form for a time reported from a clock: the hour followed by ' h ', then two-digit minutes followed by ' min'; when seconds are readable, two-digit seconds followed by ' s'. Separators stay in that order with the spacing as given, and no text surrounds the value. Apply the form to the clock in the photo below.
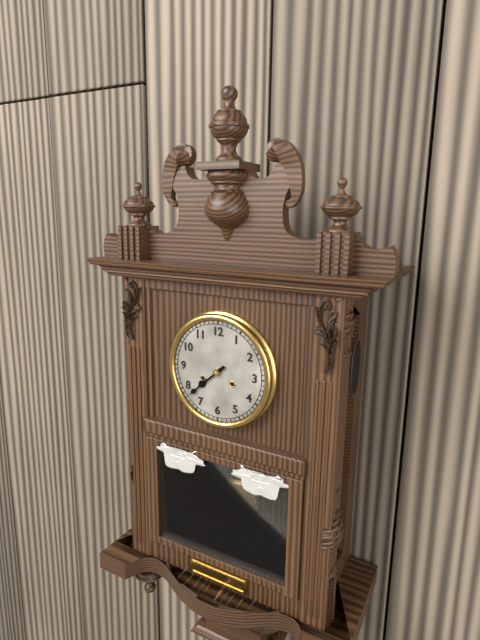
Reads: 7 h 38 min
